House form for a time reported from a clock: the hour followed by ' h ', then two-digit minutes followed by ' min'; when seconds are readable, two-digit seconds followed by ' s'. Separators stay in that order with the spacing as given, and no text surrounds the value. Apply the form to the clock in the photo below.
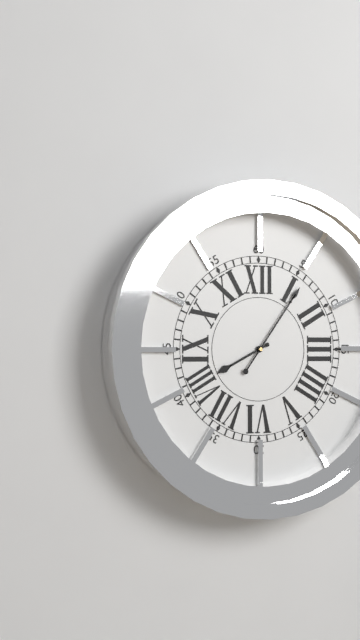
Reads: 8 h 06 min
